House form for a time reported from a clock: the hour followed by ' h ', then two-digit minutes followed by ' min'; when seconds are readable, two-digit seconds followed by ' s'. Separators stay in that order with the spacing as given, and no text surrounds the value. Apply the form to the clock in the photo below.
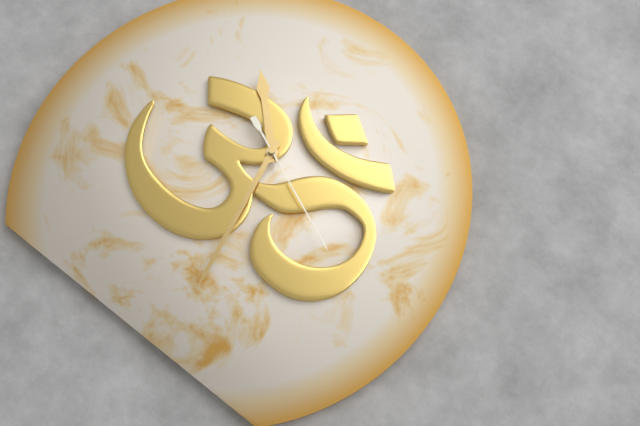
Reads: 10 h 28 min 19 s
